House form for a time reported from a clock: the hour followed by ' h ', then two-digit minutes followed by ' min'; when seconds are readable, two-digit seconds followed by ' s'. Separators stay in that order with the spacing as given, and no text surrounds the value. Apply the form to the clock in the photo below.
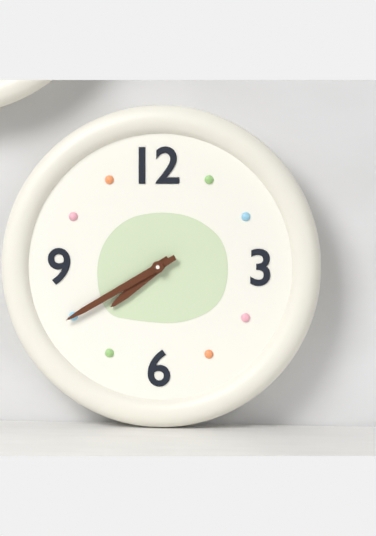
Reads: 7 h 40 min
